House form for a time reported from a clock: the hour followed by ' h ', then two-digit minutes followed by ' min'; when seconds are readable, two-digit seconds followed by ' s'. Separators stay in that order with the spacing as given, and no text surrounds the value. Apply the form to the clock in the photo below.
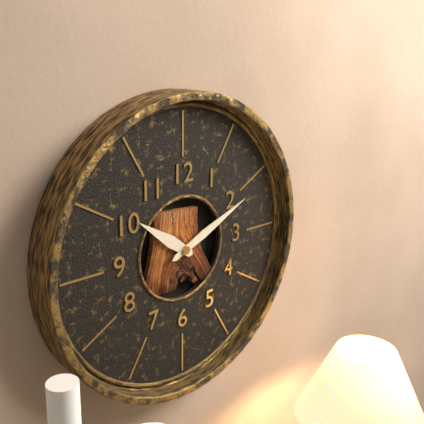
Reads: 10 h 11 min
